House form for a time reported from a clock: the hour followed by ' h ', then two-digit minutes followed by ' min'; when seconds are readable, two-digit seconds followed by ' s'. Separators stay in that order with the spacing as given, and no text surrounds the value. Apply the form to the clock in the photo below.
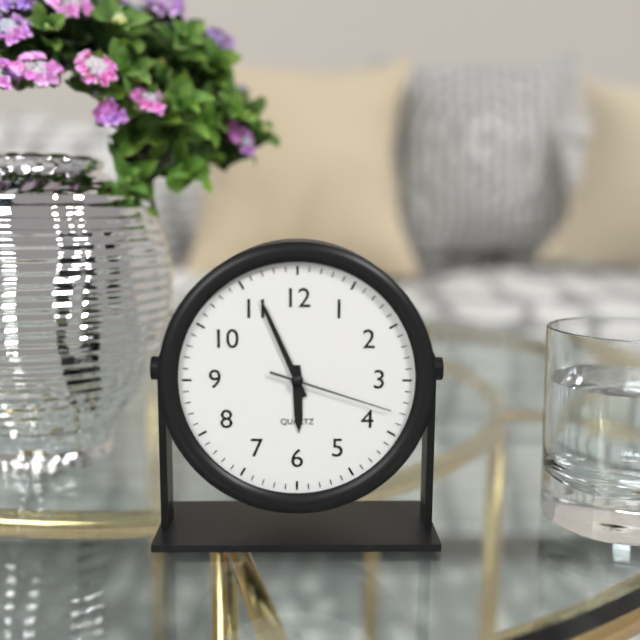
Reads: 5 h 56 min 18 s
